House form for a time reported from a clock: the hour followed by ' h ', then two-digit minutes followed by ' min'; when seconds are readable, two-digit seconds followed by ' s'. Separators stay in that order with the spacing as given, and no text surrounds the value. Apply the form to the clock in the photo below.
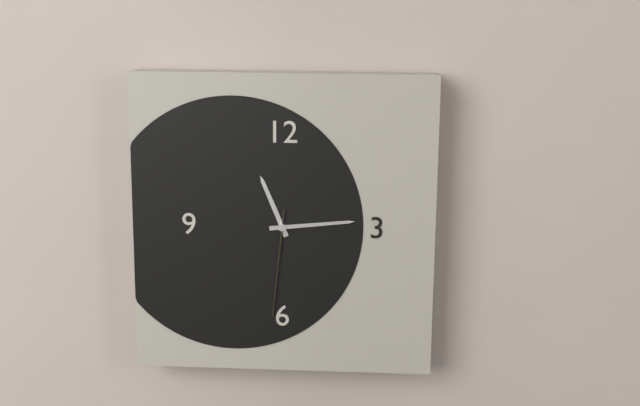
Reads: 11 h 14 min 31 s
